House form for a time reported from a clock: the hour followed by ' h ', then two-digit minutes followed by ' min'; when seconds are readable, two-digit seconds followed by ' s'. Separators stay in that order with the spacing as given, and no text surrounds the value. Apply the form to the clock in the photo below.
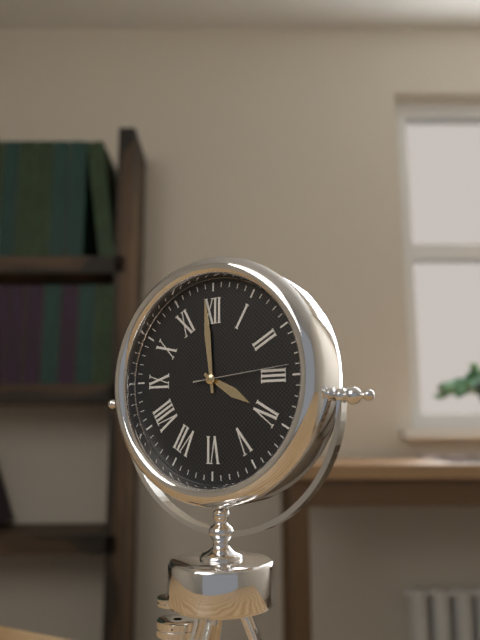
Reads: 3 h 59 min 14 s
